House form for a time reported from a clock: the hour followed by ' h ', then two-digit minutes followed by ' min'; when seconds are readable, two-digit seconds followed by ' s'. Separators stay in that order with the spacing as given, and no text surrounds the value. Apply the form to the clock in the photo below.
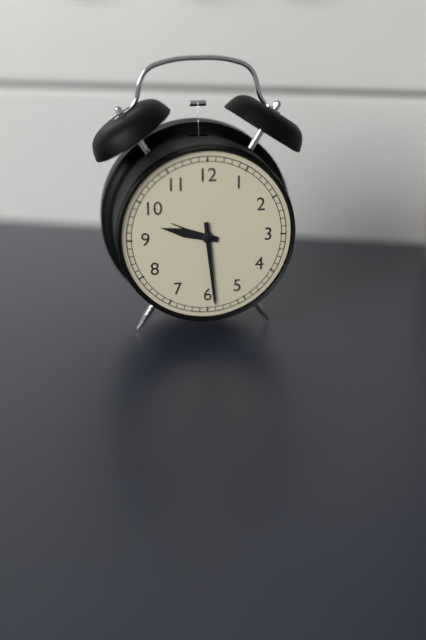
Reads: 9 h 29 min
